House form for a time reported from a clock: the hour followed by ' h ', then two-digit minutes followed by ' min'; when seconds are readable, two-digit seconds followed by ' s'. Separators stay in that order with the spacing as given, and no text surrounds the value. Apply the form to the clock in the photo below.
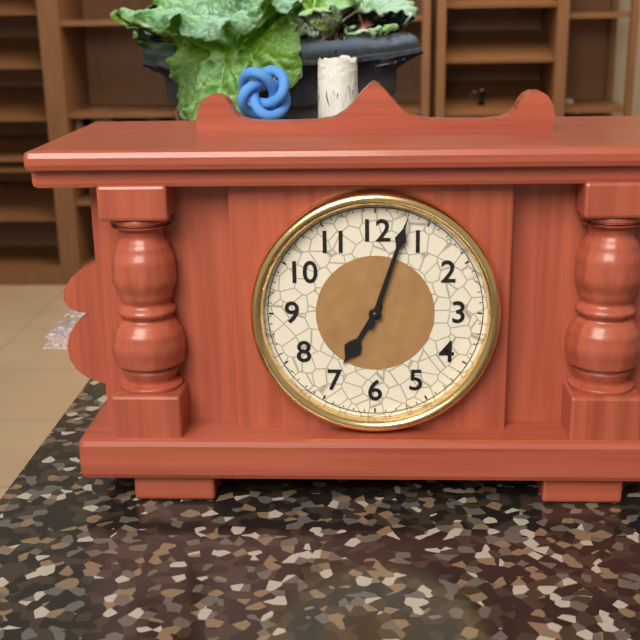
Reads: 7 h 03 min
